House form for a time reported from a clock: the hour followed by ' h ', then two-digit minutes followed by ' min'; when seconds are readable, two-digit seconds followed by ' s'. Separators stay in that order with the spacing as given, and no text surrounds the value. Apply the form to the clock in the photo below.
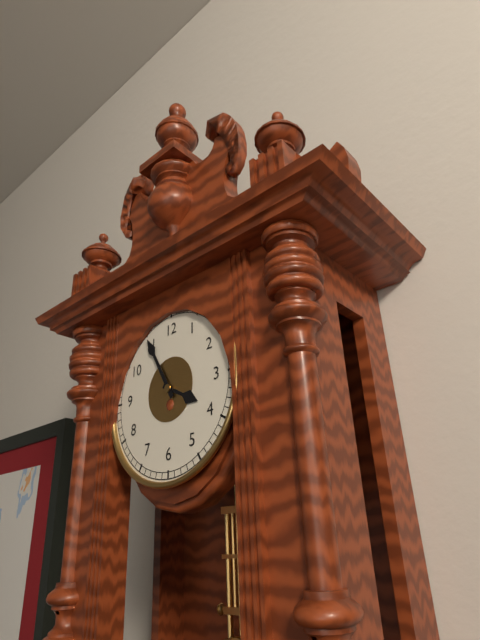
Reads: 3 h 55 min
